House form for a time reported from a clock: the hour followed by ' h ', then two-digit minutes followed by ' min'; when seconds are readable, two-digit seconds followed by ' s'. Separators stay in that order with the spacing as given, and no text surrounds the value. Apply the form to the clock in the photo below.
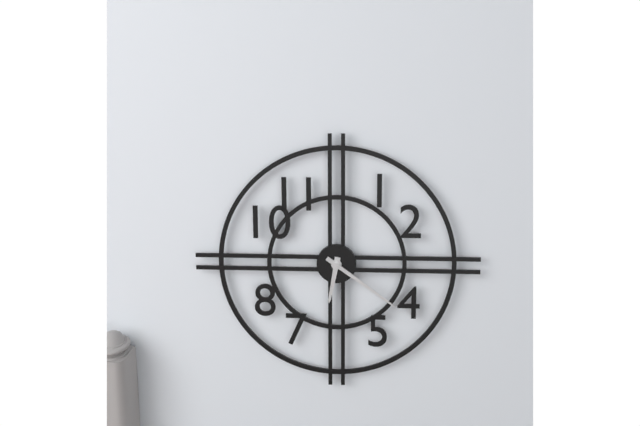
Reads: 6 h 21 min
